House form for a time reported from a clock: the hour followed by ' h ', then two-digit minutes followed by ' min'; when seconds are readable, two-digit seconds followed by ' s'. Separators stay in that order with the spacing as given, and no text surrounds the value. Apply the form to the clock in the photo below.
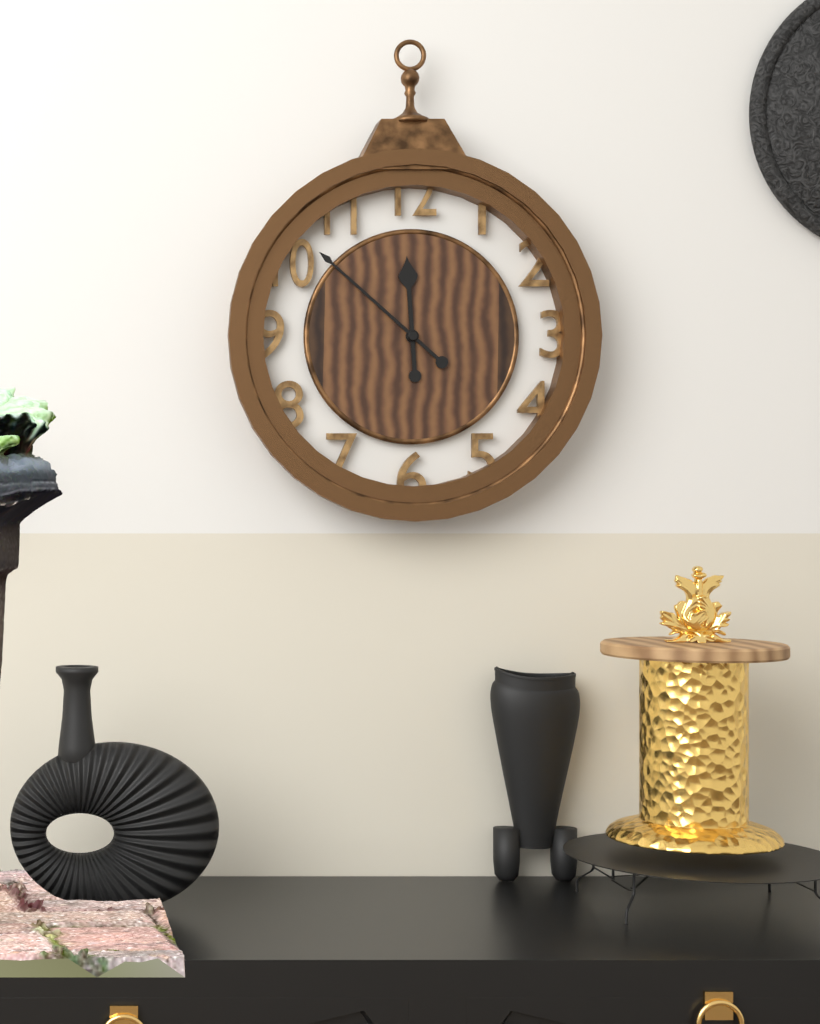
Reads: 11 h 52 min
